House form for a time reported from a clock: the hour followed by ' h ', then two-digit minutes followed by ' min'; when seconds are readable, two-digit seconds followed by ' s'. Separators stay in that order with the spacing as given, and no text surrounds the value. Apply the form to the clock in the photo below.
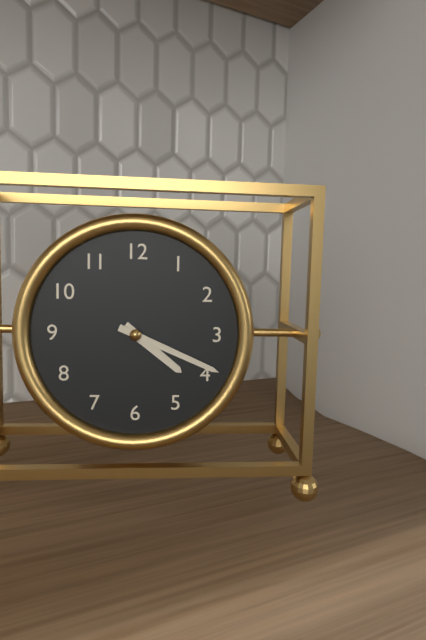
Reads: 4 h 19 min
